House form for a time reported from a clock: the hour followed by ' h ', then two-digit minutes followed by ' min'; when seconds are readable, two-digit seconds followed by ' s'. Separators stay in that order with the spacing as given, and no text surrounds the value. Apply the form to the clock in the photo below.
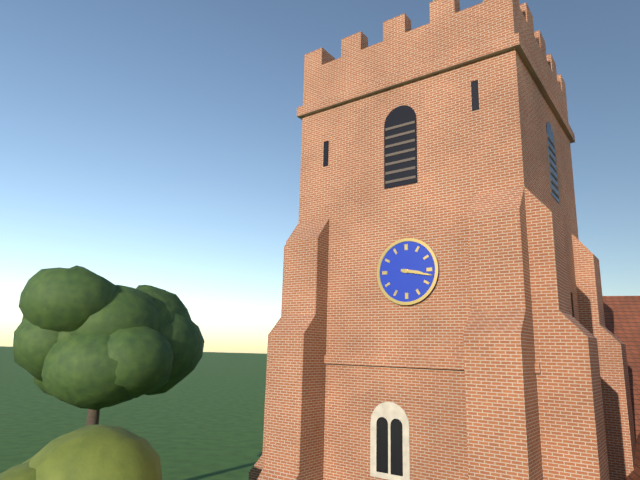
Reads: 3 h 17 min
